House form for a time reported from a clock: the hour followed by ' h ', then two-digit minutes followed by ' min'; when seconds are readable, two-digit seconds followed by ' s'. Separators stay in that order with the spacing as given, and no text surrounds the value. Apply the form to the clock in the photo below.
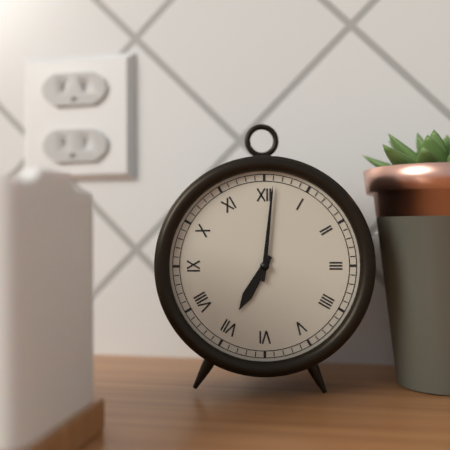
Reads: 7 h 01 min
